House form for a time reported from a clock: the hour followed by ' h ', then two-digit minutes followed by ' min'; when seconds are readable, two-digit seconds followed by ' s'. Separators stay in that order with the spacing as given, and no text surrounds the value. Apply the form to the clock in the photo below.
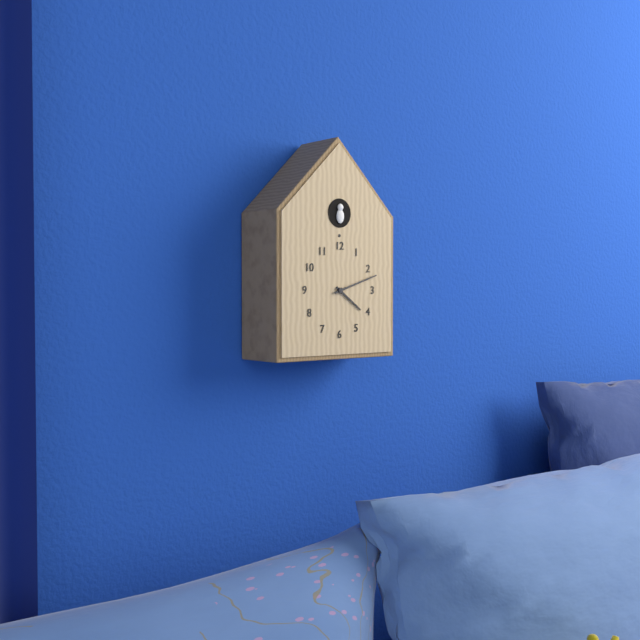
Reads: 4 h 12 min
